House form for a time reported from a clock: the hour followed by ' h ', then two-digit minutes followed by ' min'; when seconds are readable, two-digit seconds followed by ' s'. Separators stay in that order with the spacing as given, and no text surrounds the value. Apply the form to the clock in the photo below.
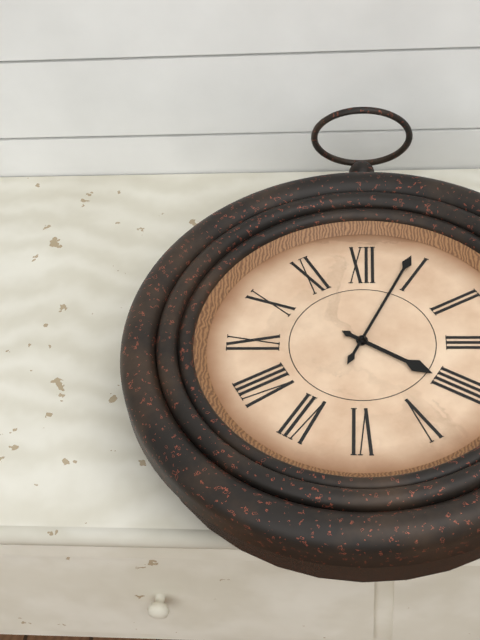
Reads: 4 h 04 min
